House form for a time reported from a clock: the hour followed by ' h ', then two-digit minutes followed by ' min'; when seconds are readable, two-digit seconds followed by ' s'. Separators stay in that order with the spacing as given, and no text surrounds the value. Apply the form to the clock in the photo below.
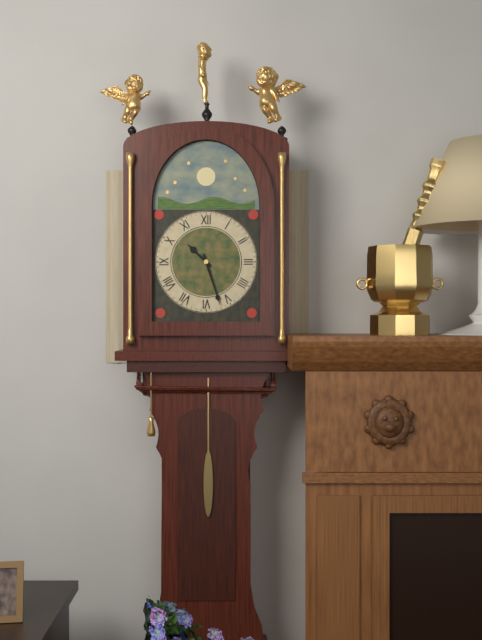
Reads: 10 h 27 min
